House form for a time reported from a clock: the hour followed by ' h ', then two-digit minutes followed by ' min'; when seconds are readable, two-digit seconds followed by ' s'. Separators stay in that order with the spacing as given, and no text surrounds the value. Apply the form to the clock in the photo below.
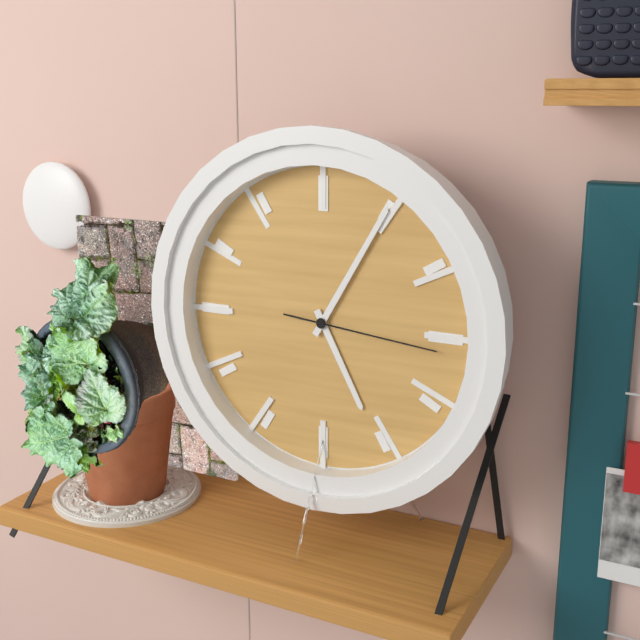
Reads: 5 h 05 min 16 s
